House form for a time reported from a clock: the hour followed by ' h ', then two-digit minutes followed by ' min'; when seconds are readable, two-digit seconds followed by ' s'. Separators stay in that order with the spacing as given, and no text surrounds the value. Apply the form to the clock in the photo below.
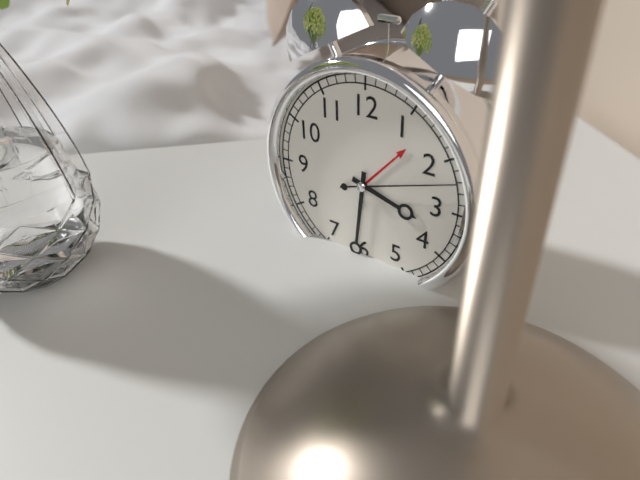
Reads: 3 h 31 min 12 s
